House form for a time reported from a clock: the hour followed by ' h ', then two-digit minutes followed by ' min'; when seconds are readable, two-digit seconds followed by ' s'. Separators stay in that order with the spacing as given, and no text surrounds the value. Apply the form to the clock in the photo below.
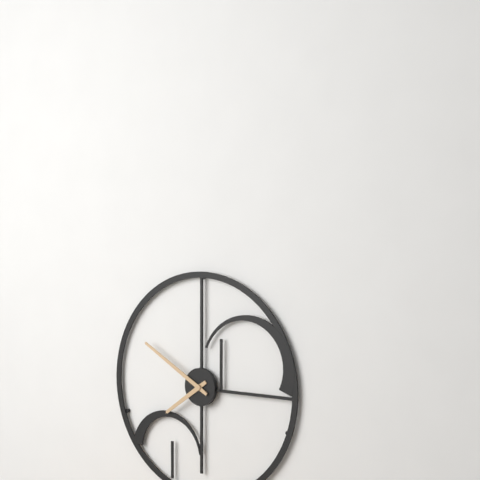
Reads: 7 h 50 min
